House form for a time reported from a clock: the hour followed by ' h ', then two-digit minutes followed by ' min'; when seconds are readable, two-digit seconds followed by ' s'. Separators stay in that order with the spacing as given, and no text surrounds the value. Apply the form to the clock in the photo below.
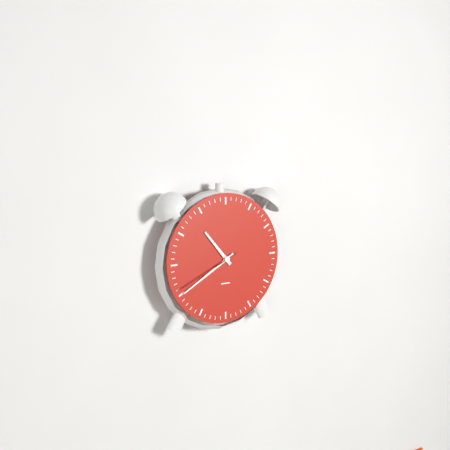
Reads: 10 h 40 min 41 s
